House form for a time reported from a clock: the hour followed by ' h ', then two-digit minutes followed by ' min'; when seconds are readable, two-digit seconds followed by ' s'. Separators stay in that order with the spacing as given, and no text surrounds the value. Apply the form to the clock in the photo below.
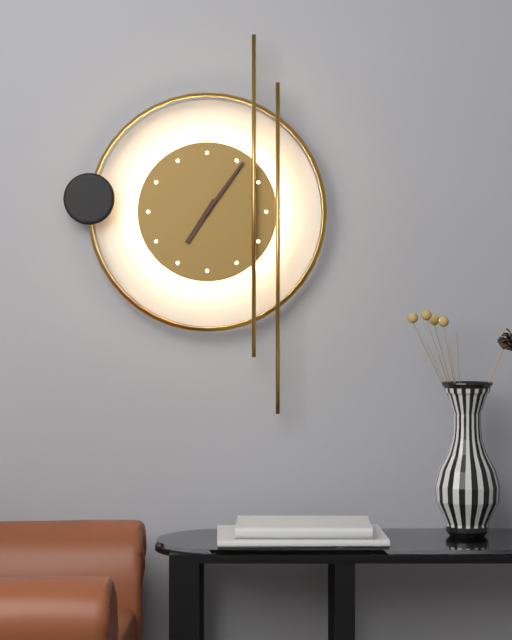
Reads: 7 h 06 min
